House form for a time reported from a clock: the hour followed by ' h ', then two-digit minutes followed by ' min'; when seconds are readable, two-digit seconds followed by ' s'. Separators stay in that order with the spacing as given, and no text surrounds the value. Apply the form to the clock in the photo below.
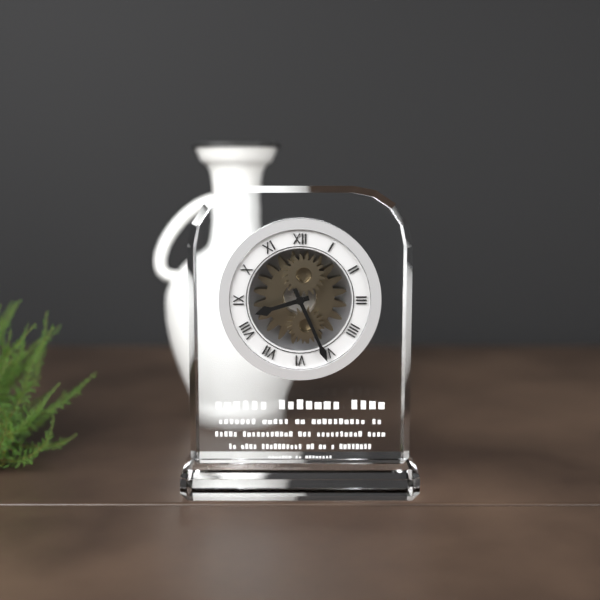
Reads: 8 h 26 min
